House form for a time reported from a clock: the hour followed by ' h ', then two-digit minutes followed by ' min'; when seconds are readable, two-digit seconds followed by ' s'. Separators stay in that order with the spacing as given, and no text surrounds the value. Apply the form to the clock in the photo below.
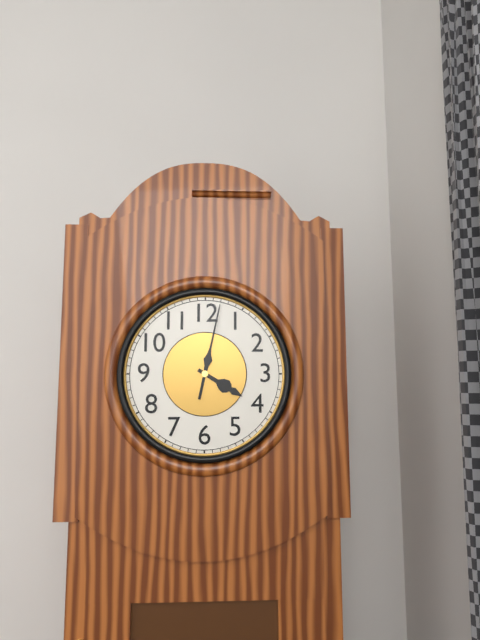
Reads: 4 h 02 min
